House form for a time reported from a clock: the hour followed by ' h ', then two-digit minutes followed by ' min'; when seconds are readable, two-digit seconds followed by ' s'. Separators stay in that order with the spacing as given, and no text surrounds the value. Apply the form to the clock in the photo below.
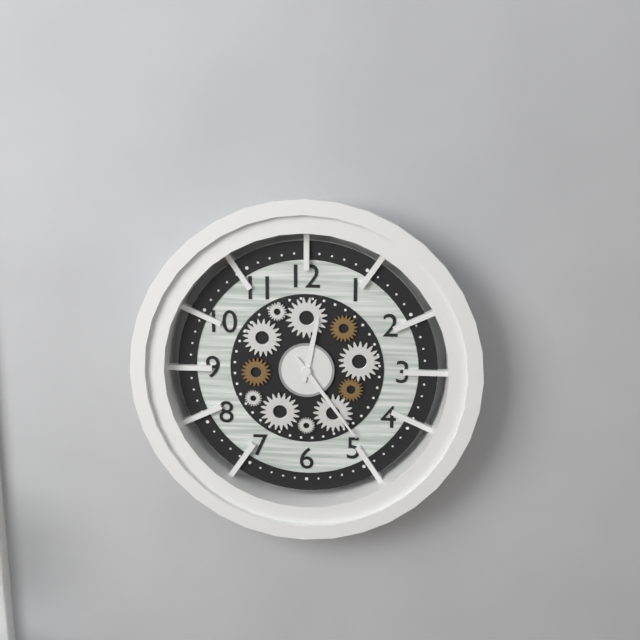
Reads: 12 h 24 min
